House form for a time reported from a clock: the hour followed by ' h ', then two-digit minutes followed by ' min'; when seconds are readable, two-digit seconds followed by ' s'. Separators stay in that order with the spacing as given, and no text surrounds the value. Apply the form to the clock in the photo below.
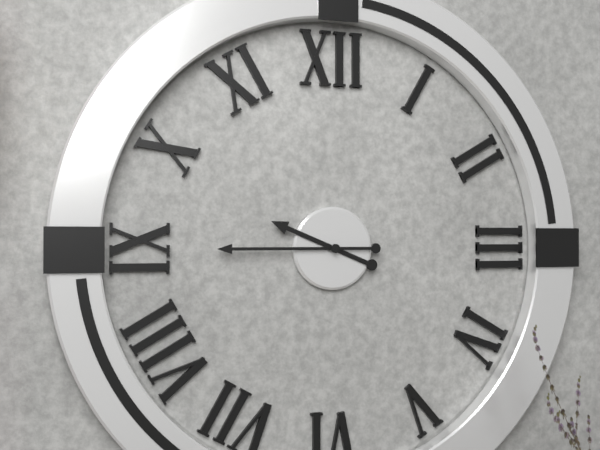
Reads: 9 h 45 min
